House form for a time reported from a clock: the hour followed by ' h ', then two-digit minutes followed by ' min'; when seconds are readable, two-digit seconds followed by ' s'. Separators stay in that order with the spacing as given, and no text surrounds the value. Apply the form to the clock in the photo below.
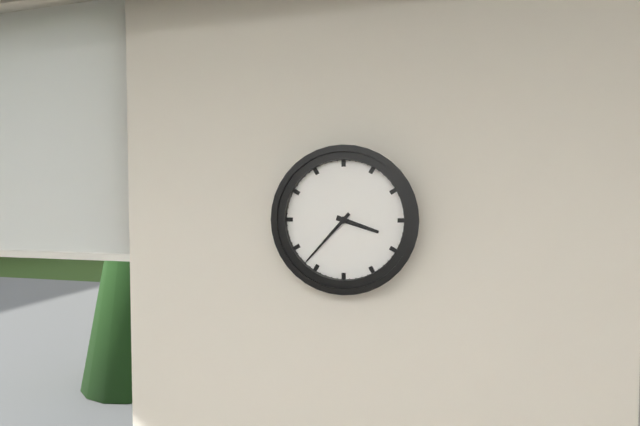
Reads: 3 h 37 min
